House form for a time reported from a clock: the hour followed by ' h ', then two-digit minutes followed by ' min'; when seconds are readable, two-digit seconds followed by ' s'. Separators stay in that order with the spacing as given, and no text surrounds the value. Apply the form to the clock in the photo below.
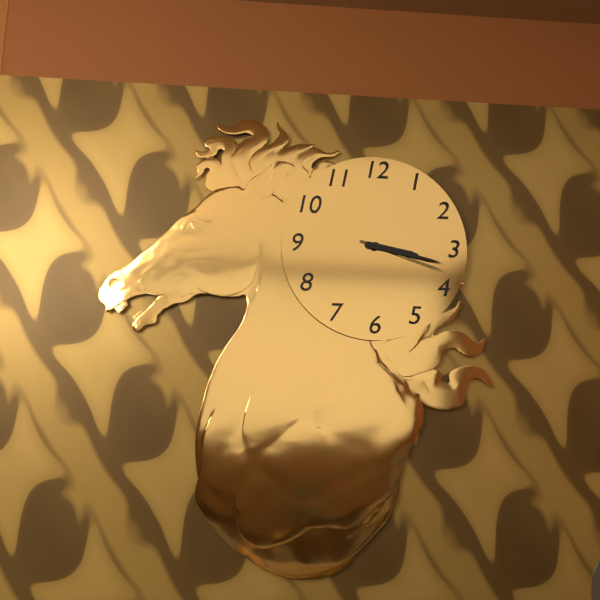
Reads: 3 h 17 min 18 s
